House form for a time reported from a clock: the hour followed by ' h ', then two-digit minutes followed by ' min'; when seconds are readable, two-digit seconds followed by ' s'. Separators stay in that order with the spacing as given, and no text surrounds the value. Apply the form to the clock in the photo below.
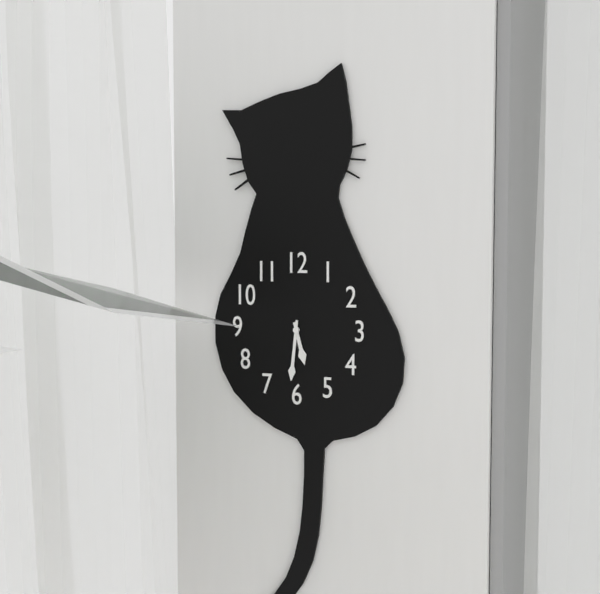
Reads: 5 h 31 min
